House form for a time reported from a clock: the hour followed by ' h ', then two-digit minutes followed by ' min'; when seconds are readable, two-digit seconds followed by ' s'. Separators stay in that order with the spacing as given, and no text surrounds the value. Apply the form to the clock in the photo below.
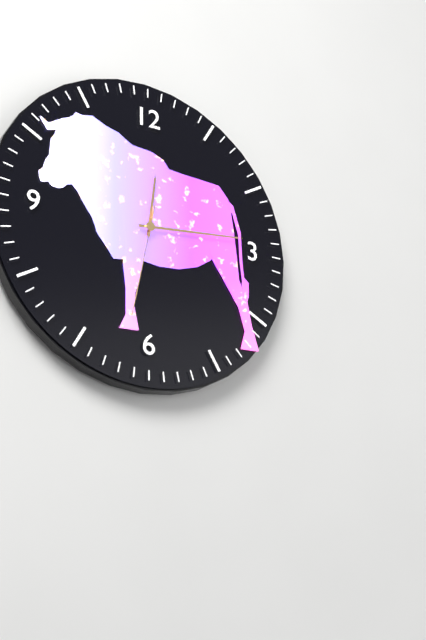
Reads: 12 h 14 min 32 s
